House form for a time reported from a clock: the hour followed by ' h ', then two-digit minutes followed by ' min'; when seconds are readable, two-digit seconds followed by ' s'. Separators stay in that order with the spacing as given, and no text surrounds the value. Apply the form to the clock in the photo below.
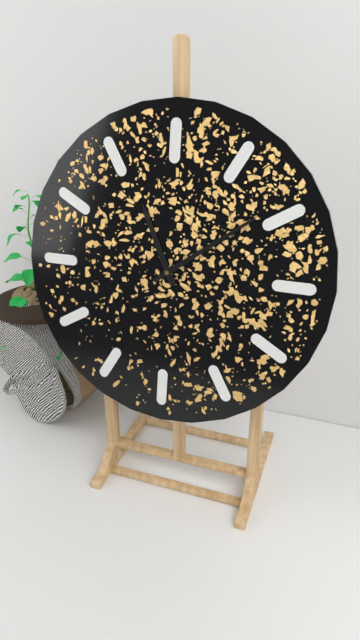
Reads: 11 h 09 min
